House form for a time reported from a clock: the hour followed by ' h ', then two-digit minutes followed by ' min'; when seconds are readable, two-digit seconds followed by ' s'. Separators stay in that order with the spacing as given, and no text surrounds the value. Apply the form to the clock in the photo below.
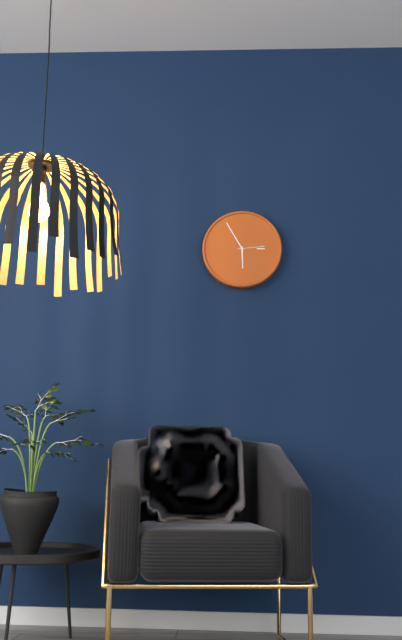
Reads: 5 h 55 min
